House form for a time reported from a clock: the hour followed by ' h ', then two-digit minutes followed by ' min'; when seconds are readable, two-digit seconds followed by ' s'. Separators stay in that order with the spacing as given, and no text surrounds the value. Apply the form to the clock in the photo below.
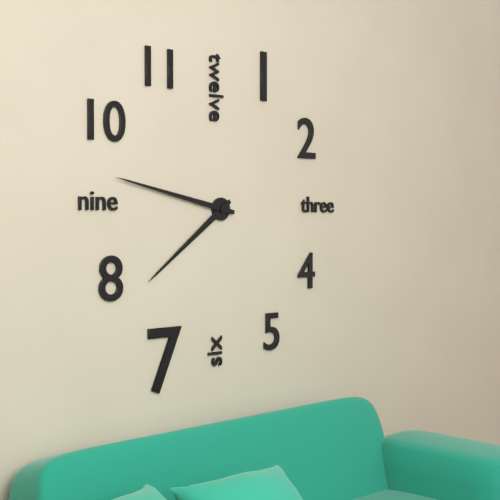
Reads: 7 h 47 min
